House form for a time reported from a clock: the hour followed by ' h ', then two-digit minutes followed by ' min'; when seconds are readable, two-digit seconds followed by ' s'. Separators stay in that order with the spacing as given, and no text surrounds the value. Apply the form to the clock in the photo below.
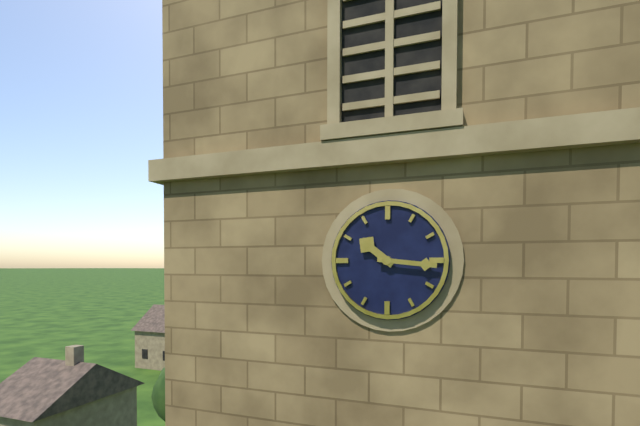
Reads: 10 h 16 min
